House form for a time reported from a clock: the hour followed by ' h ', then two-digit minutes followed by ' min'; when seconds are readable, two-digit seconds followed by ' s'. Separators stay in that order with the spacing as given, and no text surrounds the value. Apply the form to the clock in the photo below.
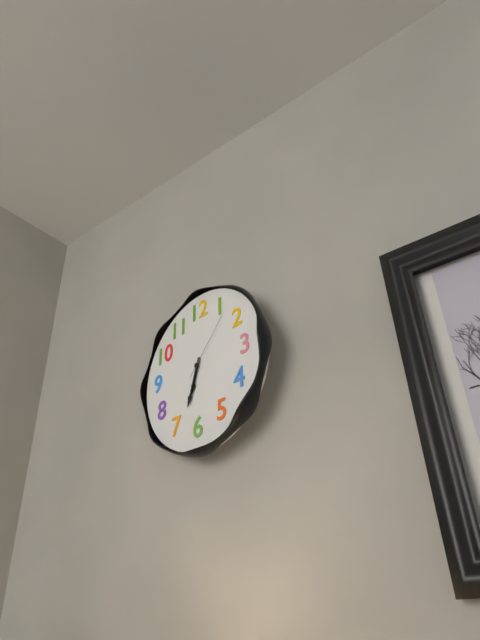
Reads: 6 h 33 min 07 s
